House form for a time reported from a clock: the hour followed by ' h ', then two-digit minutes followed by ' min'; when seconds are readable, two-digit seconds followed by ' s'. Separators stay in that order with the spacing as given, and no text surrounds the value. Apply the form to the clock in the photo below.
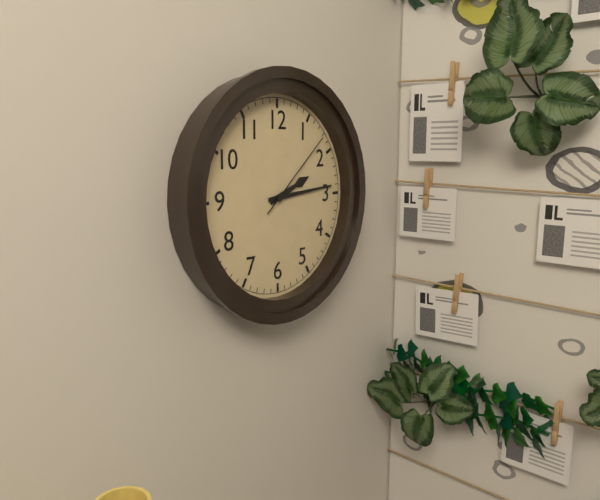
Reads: 2 h 14 min 08 s
